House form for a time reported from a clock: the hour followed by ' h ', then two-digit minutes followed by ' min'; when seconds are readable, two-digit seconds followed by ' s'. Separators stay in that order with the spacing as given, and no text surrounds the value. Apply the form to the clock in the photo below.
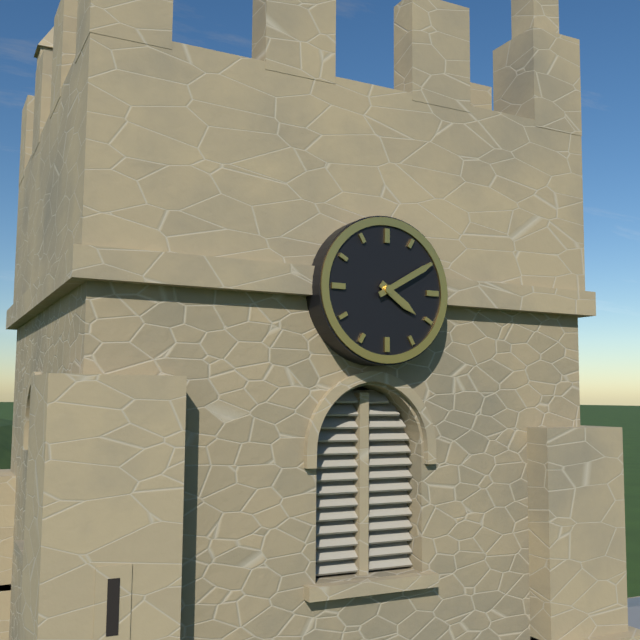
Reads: 4 h 10 min
